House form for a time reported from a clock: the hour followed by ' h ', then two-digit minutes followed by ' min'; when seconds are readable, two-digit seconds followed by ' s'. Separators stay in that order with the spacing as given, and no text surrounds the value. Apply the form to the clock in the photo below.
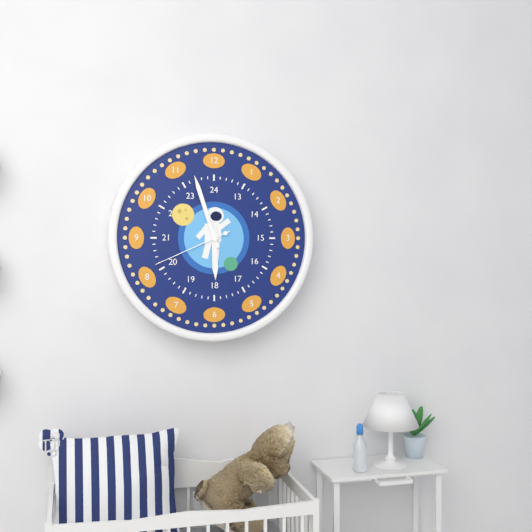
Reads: 5 h 57 min 41 s
